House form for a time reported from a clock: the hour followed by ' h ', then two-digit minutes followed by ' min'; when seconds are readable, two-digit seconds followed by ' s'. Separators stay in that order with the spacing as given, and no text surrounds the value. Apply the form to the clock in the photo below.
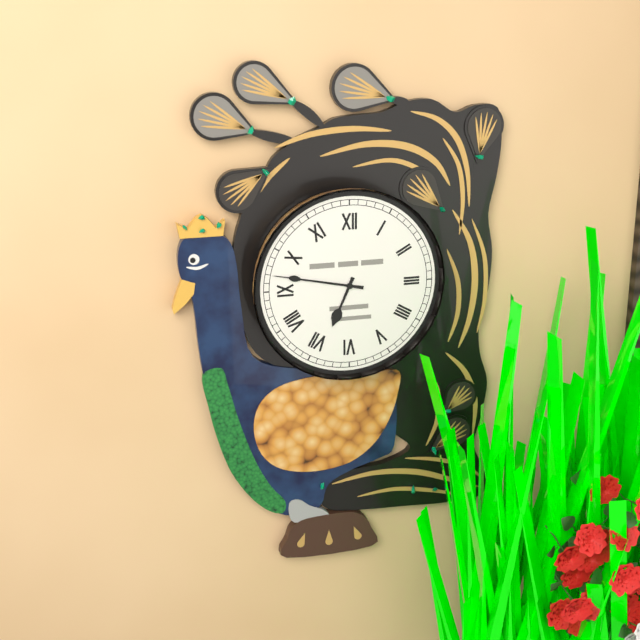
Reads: 6 h 47 min
